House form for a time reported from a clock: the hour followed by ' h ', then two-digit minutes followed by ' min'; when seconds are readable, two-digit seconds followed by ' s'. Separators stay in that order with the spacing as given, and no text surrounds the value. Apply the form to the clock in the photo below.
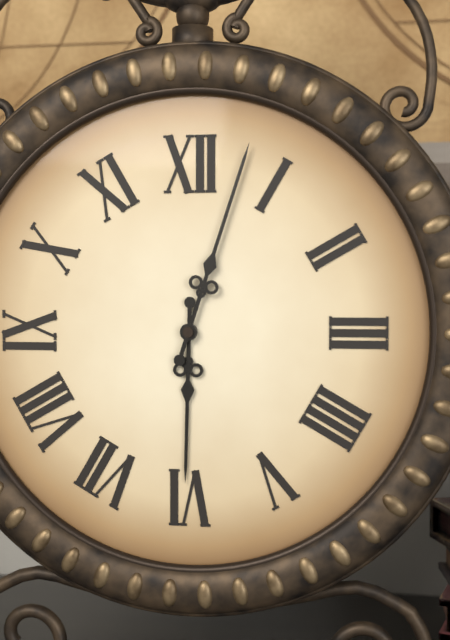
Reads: 6 h 03 min
